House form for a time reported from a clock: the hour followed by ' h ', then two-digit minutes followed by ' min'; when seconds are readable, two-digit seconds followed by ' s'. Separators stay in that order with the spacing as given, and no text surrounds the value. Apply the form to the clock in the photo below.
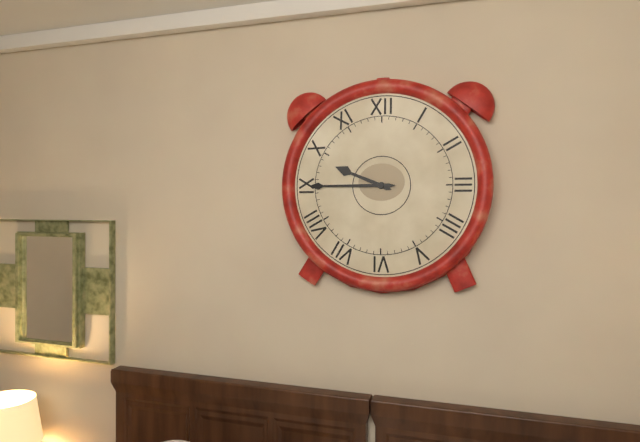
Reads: 9 h 45 min
